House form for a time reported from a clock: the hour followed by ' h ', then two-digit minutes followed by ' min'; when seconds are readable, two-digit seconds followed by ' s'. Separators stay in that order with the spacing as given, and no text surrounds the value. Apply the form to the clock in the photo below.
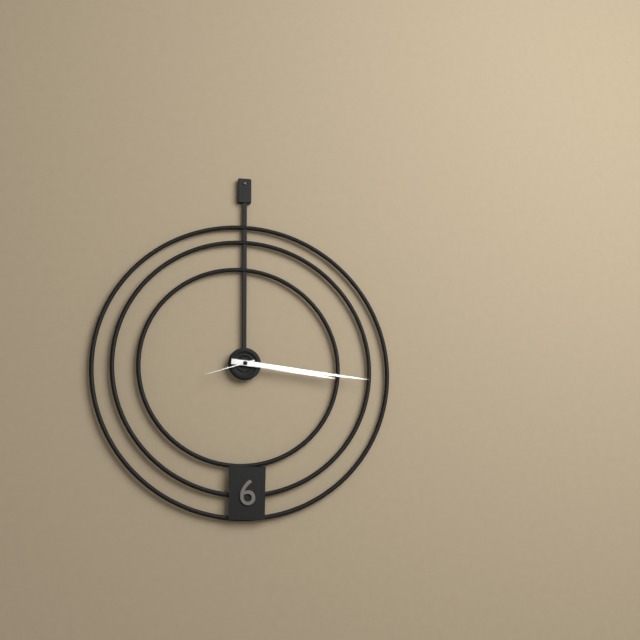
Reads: 3 h 16 min 42 s
